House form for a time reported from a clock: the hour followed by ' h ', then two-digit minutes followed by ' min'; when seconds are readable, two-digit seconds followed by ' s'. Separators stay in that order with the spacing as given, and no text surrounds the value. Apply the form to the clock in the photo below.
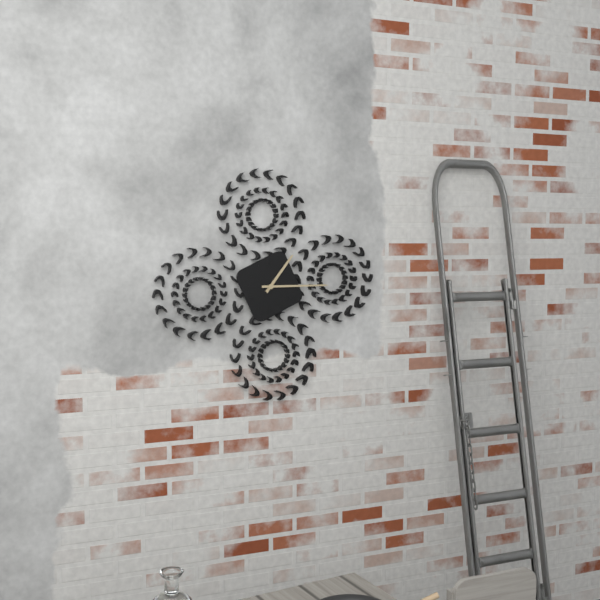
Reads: 1 h 15 min
